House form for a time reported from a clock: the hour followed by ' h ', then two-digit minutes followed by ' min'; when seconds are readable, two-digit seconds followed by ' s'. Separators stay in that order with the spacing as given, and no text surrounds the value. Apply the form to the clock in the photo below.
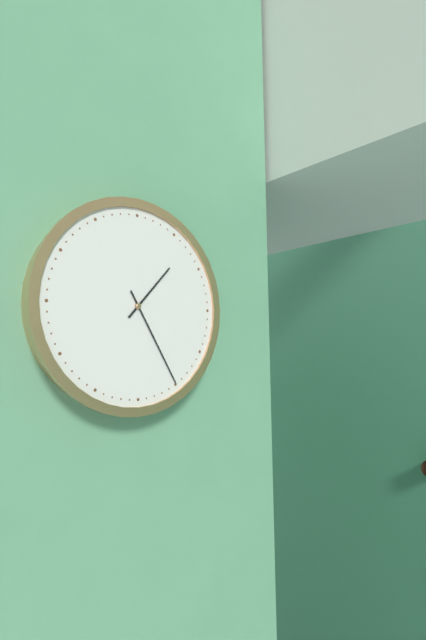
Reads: 1 h 25 min
